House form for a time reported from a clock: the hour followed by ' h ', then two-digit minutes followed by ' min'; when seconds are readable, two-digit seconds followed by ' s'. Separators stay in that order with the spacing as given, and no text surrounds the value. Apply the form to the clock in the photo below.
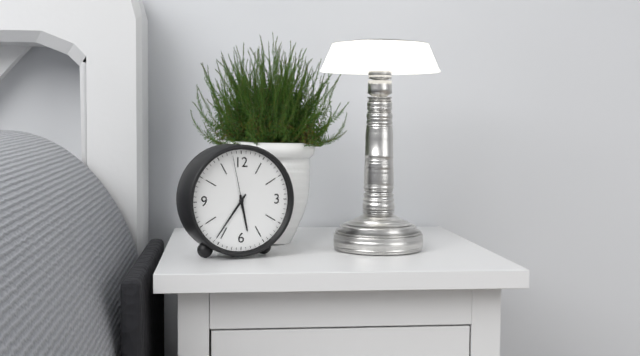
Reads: 5 h 36 min 58 s
